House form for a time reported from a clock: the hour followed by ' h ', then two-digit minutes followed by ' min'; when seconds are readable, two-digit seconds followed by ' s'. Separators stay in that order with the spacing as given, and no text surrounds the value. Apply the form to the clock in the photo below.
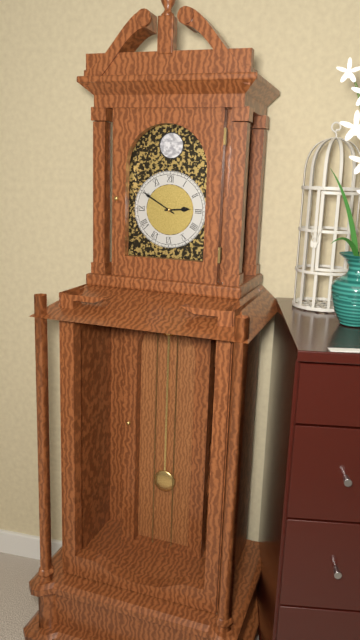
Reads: 2 h 50 min
